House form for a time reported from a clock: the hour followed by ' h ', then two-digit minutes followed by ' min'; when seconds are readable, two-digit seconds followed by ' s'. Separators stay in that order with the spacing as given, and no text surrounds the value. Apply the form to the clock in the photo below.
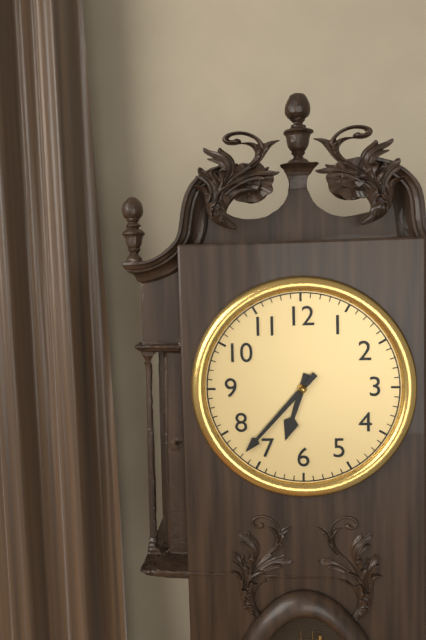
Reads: 6 h 37 min
